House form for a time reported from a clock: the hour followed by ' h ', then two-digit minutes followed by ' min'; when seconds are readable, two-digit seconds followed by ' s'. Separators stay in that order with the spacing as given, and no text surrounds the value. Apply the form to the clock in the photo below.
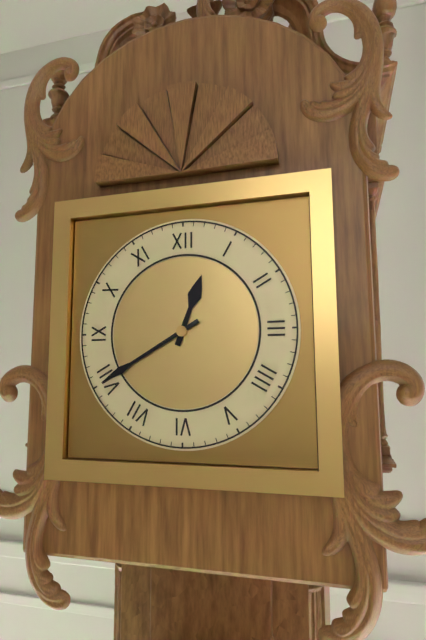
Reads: 12 h 40 min
